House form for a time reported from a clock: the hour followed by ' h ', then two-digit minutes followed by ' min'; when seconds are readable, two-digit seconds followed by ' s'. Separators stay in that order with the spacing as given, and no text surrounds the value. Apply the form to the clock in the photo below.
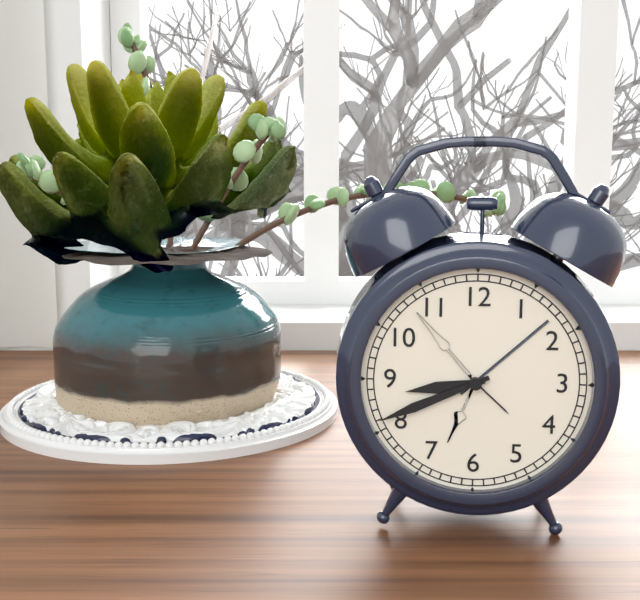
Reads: 8 h 41 min
